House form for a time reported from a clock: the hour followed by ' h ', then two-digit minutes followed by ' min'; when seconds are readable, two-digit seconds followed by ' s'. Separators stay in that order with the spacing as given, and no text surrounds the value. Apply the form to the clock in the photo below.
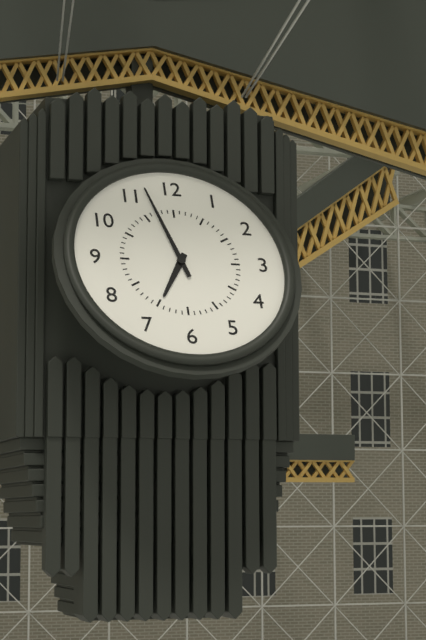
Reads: 6 h 57 min
